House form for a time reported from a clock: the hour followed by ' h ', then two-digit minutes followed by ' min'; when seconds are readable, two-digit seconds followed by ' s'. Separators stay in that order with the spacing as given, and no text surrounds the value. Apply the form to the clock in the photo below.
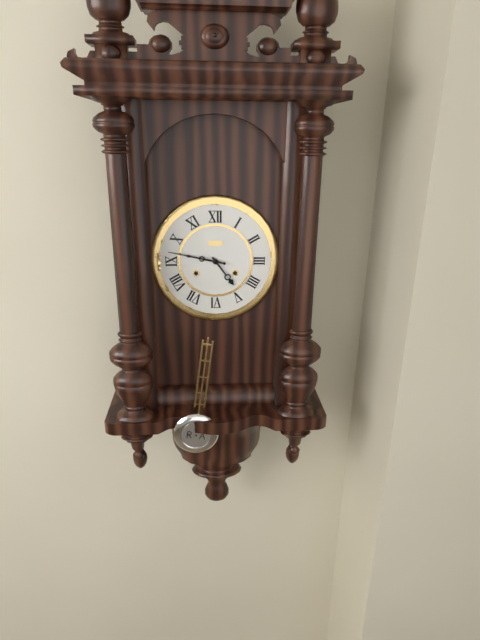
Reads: 4 h 47 min
